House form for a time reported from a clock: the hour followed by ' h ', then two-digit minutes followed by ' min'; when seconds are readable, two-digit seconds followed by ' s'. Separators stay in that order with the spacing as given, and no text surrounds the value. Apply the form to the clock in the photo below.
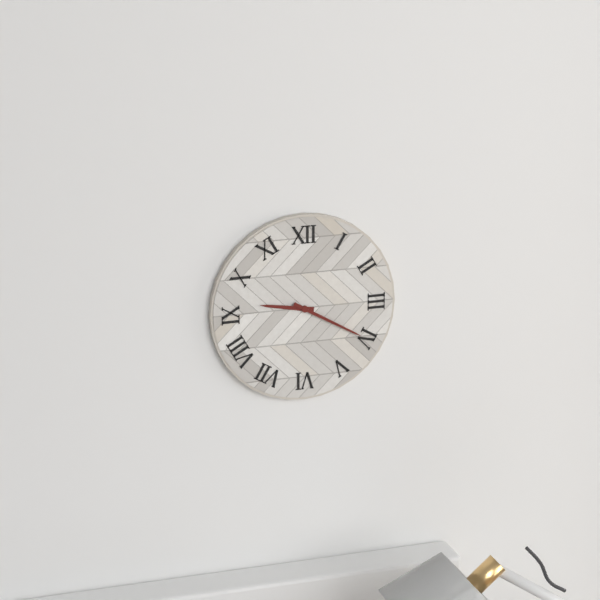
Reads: 9 h 20 min
